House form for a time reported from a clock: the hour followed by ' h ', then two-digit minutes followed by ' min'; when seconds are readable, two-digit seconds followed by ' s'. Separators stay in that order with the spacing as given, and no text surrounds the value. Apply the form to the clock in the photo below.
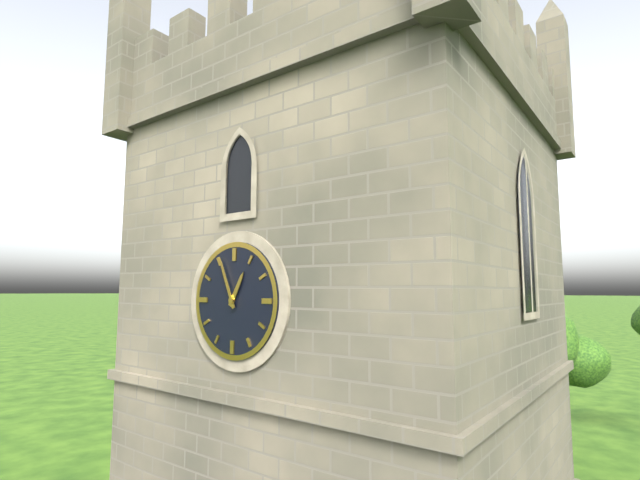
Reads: 12 h 56 min
